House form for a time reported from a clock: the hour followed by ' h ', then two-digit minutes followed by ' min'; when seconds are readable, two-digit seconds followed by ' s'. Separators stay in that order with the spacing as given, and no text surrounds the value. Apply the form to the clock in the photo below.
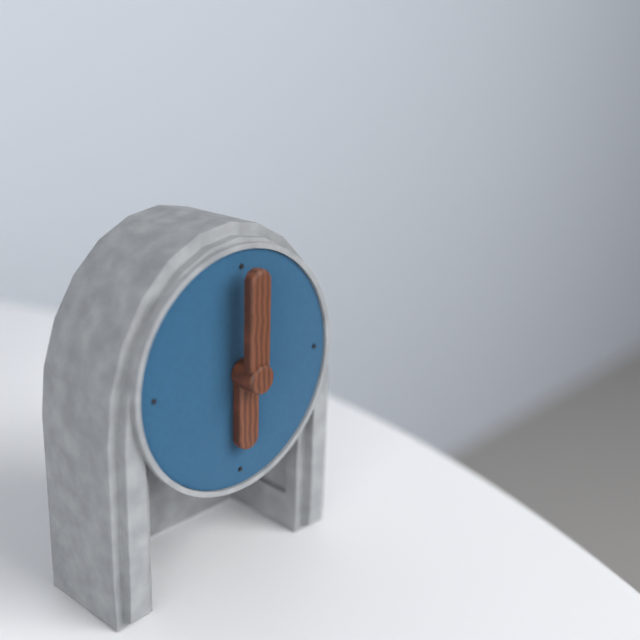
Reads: 6 h 00 min
